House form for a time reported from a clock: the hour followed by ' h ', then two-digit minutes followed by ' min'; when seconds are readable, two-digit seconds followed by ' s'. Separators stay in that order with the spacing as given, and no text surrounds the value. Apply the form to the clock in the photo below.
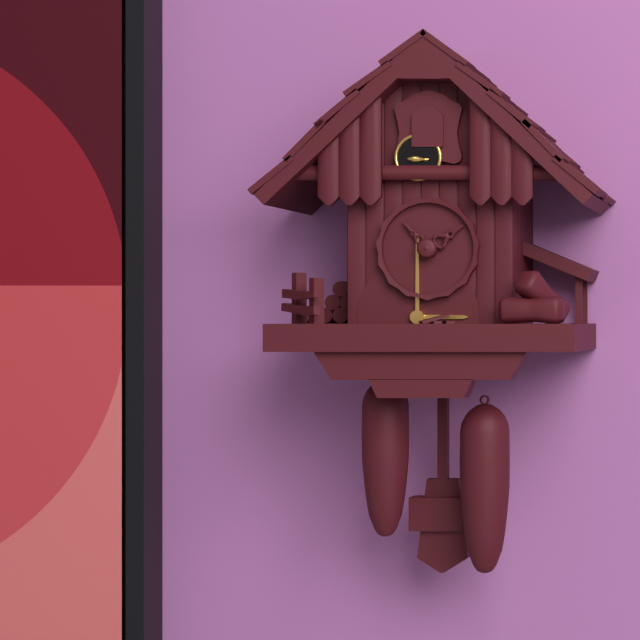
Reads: 3 h 00 min
